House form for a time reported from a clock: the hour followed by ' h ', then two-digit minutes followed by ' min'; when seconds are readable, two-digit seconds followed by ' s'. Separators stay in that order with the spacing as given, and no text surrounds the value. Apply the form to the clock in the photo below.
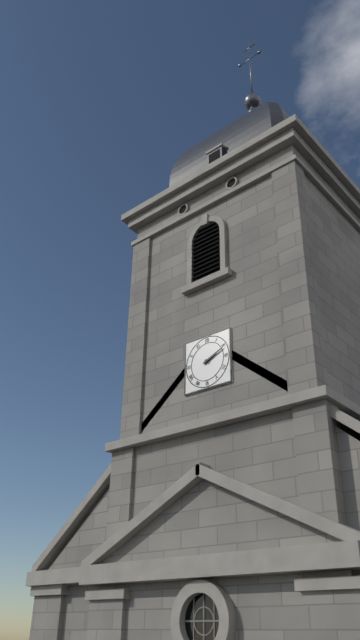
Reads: 2 h 11 min
